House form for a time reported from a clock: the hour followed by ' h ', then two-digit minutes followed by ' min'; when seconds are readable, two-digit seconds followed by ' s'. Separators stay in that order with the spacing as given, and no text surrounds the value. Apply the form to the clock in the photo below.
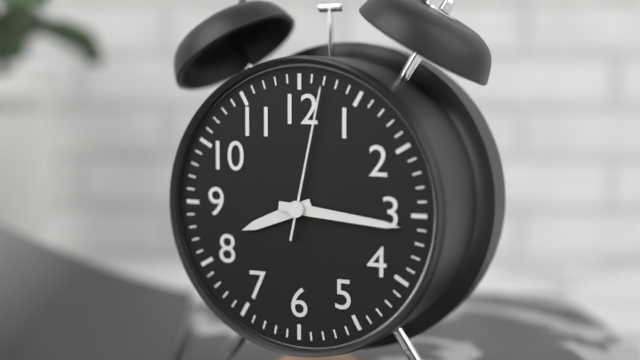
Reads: 8 h 16 min 02 s
